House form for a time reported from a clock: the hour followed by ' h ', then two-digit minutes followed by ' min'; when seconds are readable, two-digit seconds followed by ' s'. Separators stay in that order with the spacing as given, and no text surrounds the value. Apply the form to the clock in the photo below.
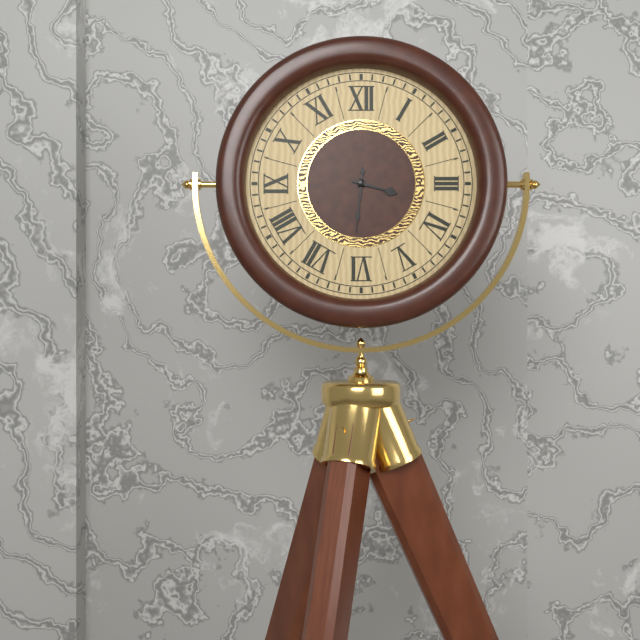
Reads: 3 h 31 min
